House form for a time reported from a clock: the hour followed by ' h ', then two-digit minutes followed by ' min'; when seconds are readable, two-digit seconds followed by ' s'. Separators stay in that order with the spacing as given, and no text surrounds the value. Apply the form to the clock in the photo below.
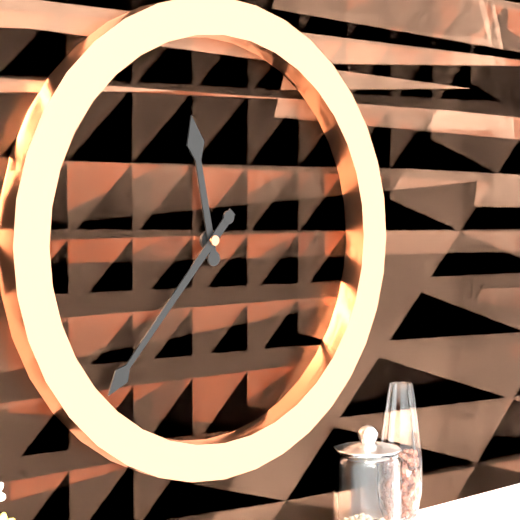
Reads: 11 h 37 min
